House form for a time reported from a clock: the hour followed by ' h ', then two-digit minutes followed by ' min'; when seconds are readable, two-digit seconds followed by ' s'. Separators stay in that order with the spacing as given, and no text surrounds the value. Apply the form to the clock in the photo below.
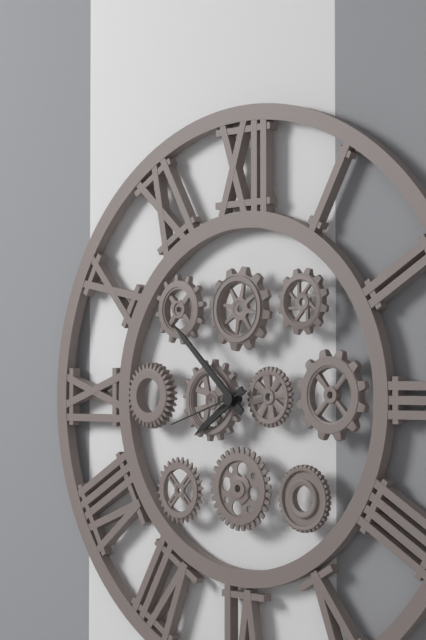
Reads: 7 h 52 min 42 s
